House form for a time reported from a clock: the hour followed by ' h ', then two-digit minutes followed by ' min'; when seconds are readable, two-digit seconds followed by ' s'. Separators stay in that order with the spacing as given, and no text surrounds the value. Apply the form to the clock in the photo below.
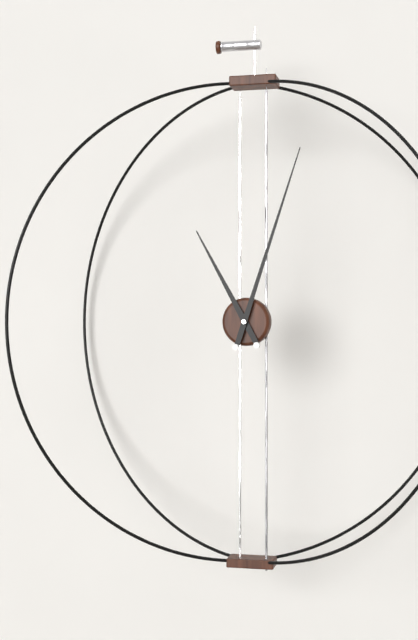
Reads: 11 h 03 min
